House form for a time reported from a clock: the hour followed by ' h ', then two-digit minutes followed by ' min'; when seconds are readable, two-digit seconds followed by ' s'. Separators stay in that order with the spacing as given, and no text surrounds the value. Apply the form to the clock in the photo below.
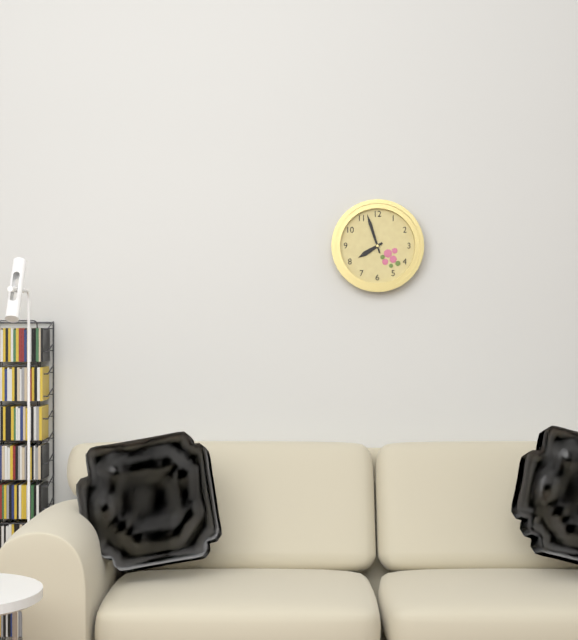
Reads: 7 h 57 min
